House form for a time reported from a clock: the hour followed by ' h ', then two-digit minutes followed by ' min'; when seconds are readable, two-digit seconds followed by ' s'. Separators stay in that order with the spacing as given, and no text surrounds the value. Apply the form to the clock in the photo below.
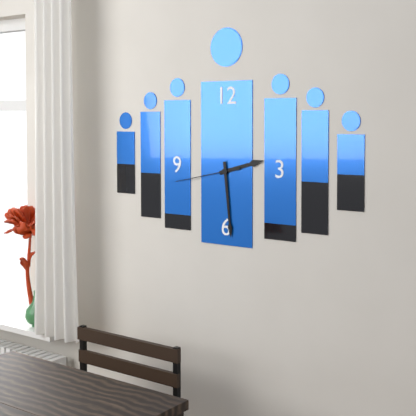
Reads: 2 h 29 min 43 s
